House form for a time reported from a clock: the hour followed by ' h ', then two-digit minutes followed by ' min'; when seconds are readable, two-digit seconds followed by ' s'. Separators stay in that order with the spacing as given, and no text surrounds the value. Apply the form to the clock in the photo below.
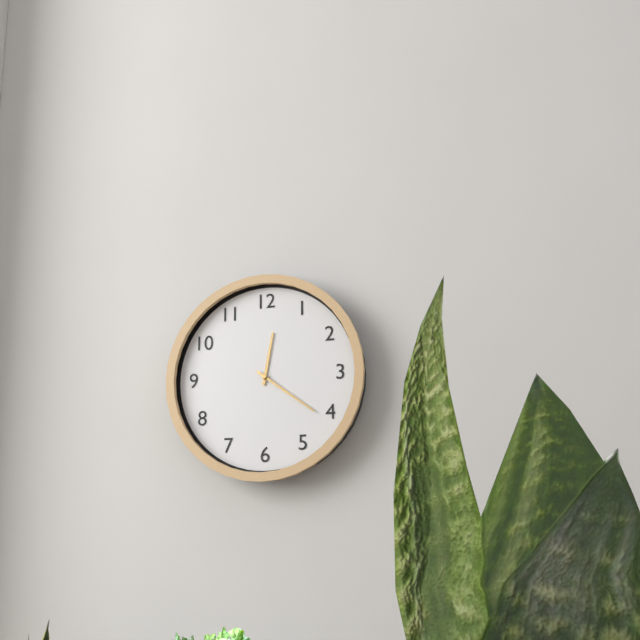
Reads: 12 h 21 min
